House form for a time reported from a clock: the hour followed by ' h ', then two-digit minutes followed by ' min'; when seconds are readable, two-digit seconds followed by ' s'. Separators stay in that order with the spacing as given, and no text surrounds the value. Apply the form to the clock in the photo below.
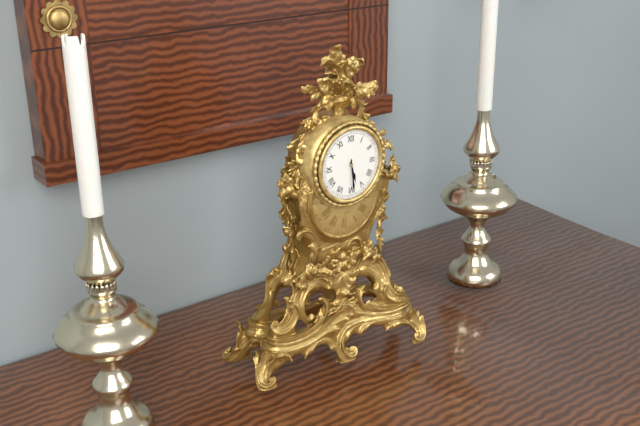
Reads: 5 h 29 min
